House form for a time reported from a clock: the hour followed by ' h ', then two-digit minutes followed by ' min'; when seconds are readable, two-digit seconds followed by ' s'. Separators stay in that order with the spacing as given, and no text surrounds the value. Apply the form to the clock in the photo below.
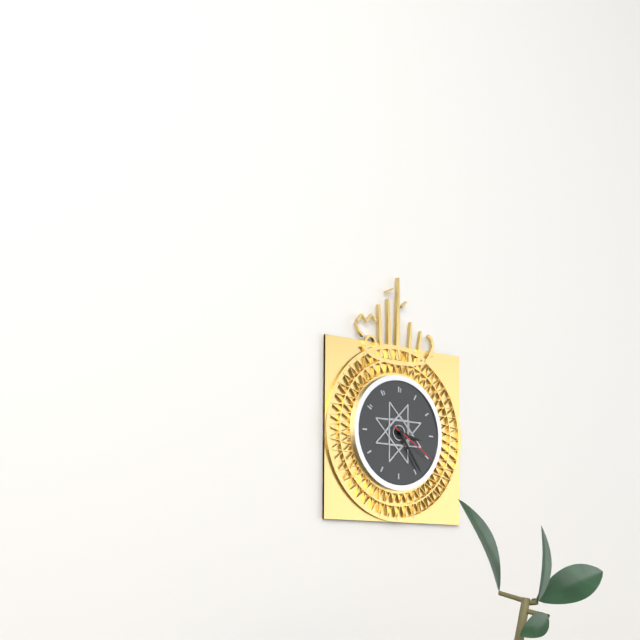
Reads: 3 h 24 min 20 s
